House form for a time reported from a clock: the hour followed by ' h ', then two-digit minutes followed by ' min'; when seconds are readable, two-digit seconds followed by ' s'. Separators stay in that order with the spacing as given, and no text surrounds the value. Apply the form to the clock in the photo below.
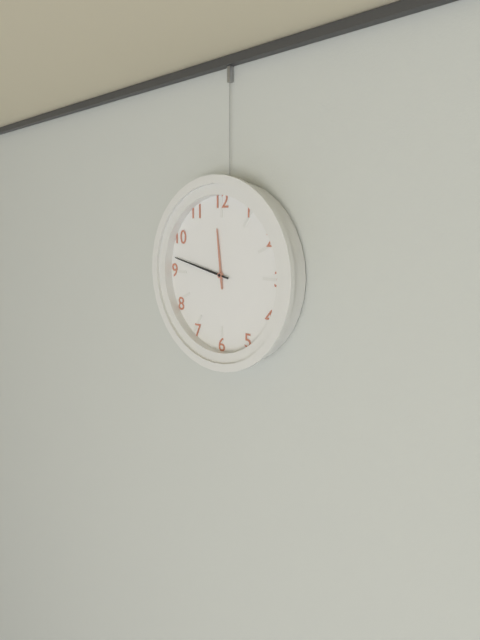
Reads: 11 h 47 min
